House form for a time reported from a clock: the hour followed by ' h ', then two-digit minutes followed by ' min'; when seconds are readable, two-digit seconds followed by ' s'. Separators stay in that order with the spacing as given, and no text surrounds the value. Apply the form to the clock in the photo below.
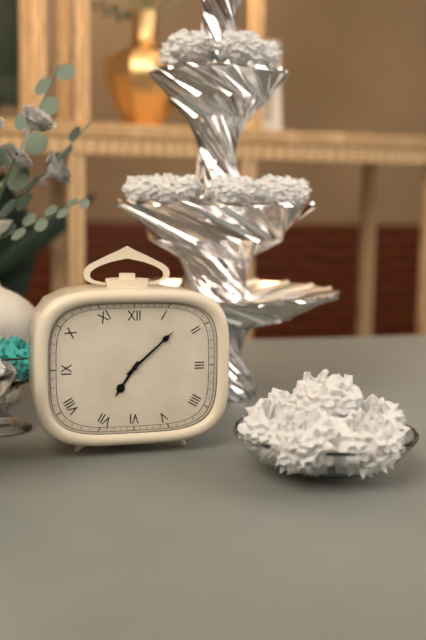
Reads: 7 h 08 min
